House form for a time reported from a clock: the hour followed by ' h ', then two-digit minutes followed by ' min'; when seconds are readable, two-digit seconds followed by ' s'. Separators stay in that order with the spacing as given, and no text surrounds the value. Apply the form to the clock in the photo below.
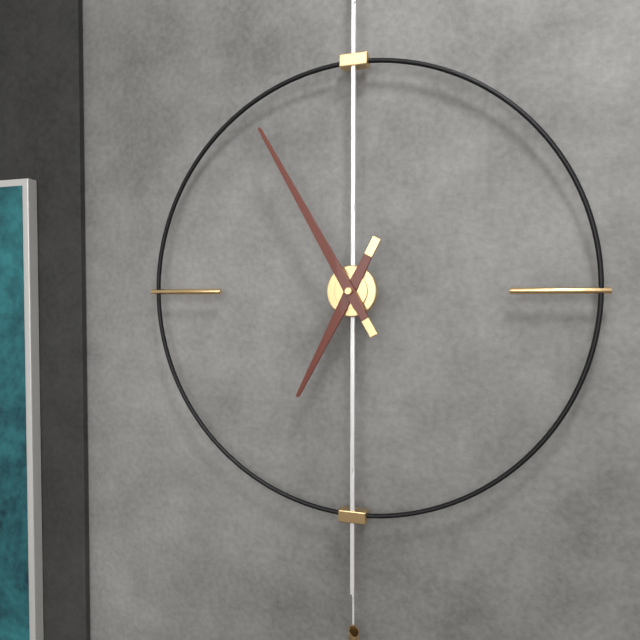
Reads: 6 h 55 min
